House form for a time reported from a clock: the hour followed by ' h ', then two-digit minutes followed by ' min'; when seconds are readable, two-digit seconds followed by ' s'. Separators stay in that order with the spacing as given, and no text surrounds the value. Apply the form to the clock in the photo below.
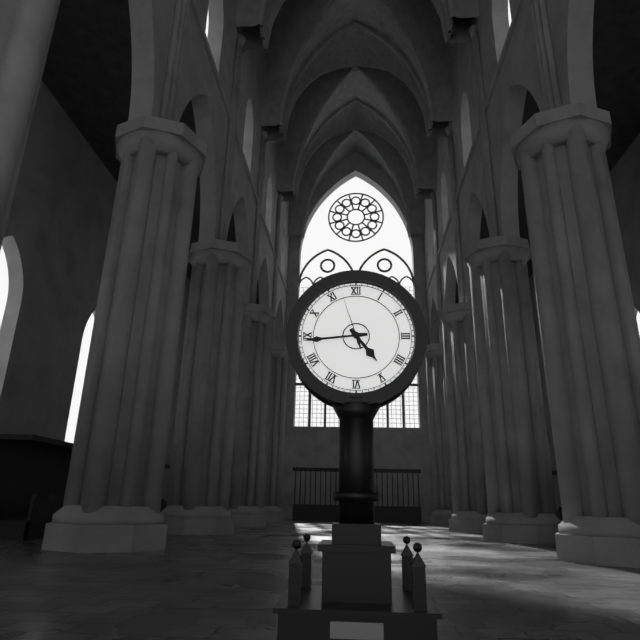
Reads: 4 h 44 min 57 s
